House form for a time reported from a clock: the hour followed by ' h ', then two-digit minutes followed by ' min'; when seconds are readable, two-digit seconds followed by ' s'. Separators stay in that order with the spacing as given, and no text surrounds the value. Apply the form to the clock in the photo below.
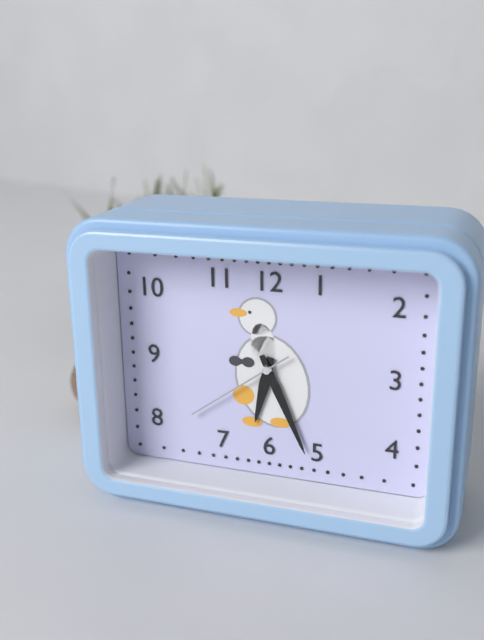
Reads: 6 h 26 min 39 s
